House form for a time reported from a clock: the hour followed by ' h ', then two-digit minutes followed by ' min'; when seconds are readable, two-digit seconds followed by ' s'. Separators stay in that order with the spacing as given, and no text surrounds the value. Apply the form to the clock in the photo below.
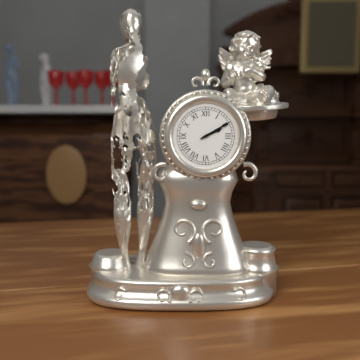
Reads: 2 h 10 min
